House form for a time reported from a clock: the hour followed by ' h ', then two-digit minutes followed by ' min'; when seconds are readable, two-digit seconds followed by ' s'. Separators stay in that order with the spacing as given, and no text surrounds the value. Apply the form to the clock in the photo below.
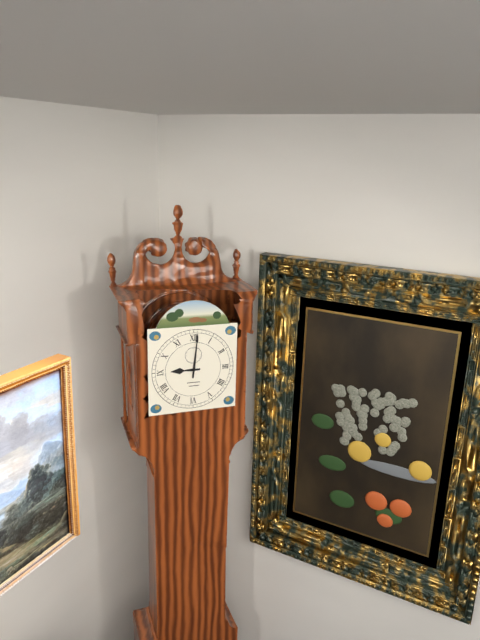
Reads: 9 h 01 min
